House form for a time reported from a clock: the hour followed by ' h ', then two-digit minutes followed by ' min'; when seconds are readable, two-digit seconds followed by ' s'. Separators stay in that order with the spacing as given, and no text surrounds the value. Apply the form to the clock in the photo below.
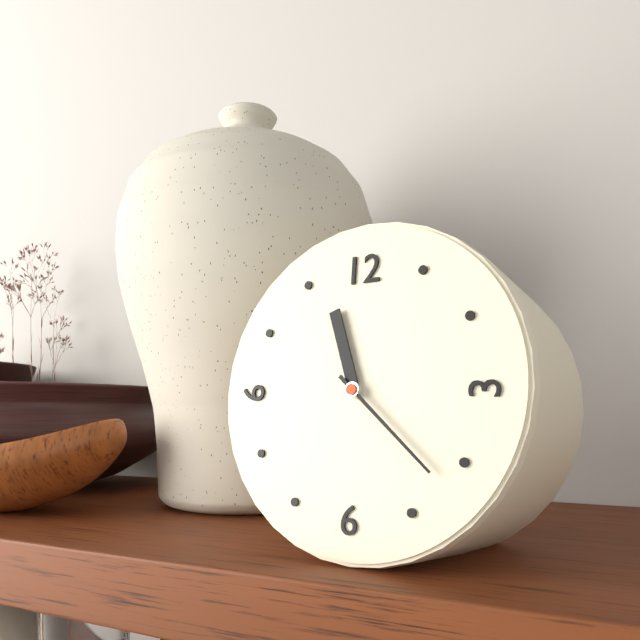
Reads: 11 h 22 min
